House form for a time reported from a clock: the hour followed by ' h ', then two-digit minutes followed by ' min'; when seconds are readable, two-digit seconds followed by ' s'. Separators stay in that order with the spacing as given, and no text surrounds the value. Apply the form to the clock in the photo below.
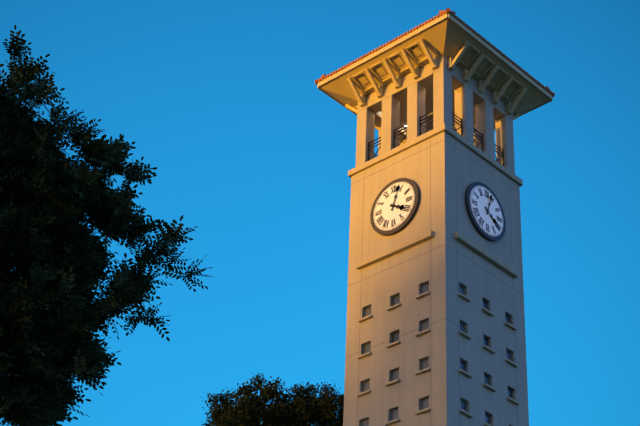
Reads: 4 h 03 min
